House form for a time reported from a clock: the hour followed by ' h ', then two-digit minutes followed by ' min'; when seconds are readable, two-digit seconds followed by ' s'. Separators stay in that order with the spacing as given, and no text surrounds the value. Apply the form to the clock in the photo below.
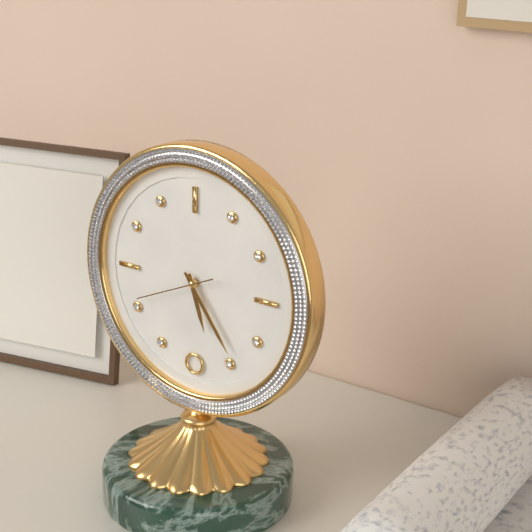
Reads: 5 h 24 min 41 s
